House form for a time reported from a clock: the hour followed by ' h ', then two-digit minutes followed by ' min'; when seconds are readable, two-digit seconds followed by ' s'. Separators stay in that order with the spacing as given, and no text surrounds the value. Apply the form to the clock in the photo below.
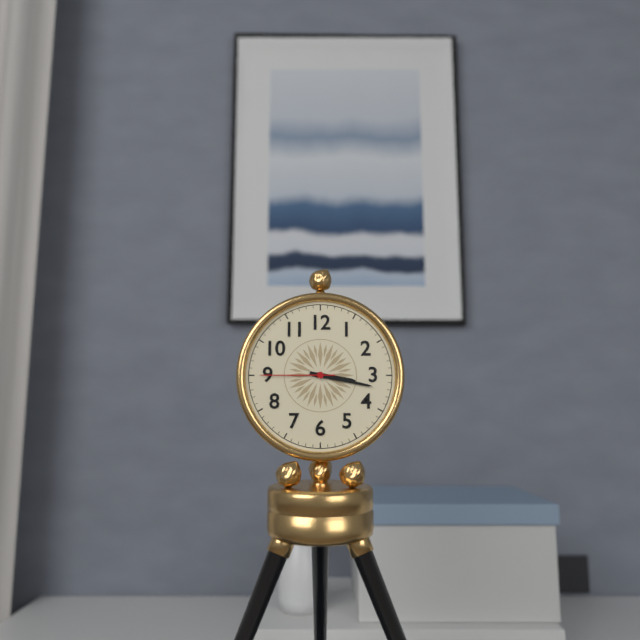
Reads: 3 h 17 min 45 s
